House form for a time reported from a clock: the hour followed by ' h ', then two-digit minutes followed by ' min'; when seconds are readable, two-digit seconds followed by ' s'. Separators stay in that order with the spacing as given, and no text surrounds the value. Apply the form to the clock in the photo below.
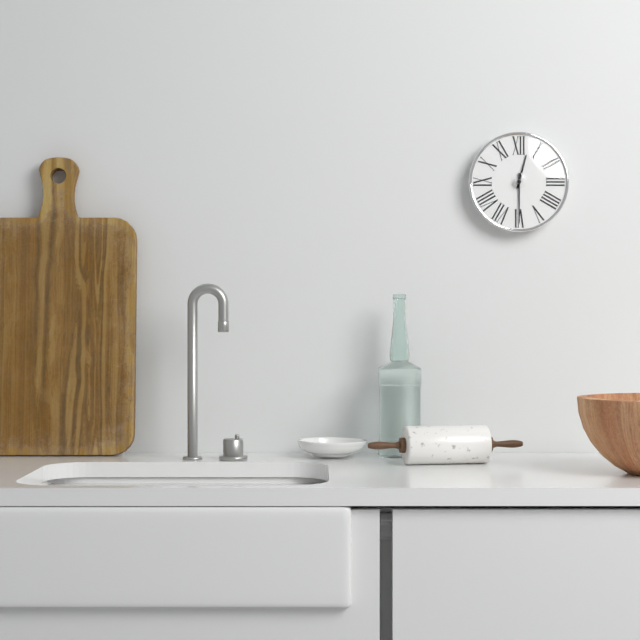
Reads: 12 h 30 min
